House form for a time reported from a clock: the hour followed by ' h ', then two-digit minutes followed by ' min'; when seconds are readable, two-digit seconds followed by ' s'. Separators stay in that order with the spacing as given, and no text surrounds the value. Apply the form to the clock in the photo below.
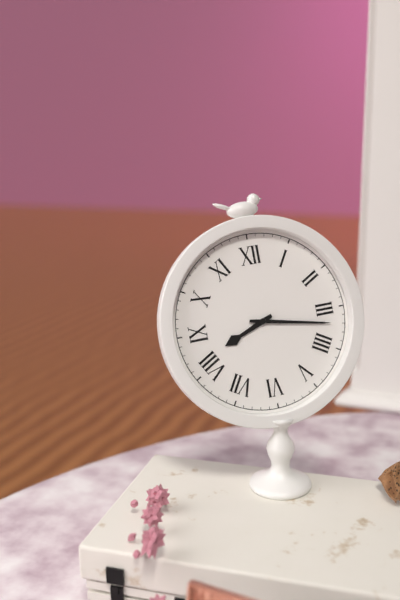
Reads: 8 h 17 min
